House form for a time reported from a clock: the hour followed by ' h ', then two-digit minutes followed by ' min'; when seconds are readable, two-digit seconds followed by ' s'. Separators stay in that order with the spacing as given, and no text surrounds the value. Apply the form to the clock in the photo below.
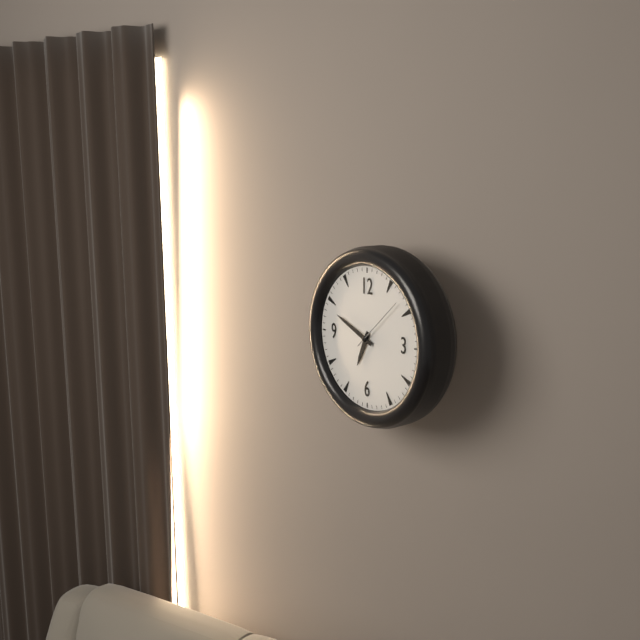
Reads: 6 h 49 min 08 s
